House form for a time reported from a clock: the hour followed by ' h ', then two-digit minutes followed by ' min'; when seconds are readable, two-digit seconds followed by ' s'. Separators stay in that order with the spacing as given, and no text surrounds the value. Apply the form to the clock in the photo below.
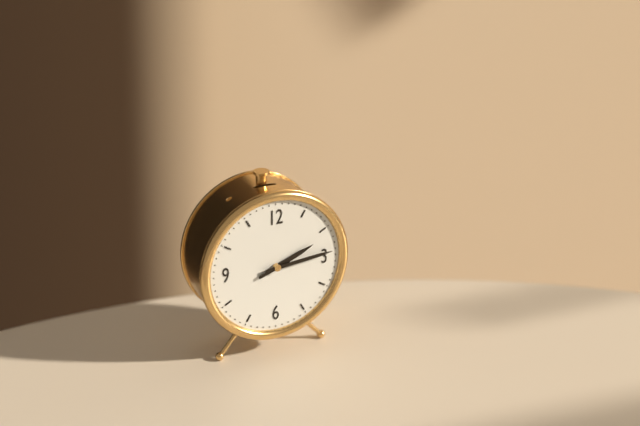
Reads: 2 h 14 min
